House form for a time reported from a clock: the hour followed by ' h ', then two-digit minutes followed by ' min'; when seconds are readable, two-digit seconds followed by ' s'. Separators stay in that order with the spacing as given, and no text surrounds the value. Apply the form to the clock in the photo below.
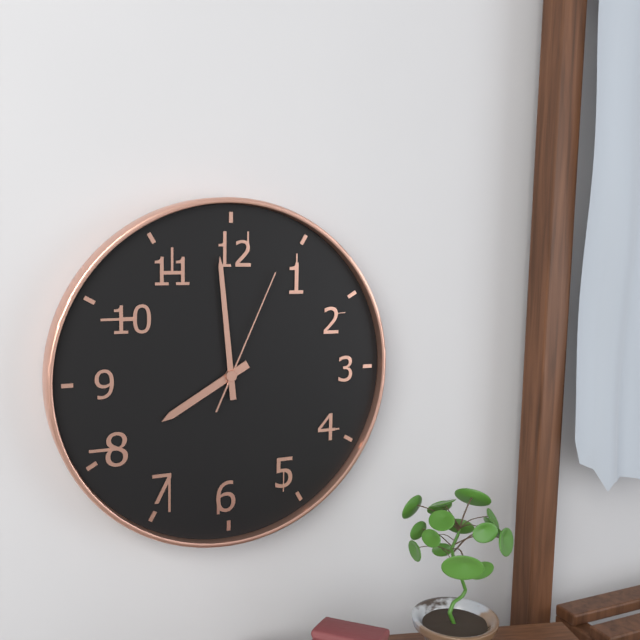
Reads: 7 h 59 min 04 s
